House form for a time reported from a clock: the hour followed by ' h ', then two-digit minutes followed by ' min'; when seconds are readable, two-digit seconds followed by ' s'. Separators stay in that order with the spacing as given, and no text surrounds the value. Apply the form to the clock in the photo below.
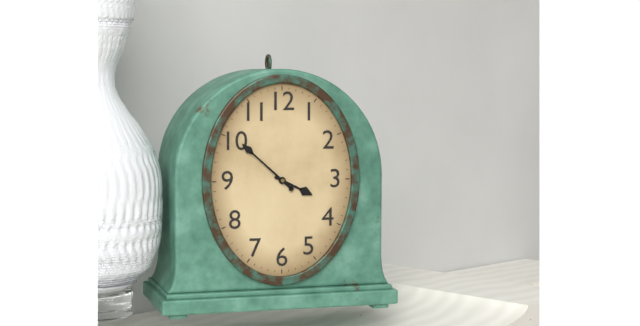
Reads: 3 h 52 min
